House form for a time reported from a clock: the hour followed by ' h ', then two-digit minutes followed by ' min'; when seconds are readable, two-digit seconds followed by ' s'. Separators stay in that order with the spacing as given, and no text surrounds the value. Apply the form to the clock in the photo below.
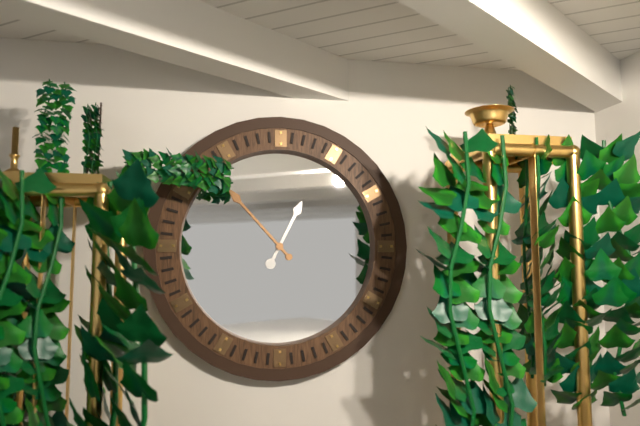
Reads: 12 h 53 min
